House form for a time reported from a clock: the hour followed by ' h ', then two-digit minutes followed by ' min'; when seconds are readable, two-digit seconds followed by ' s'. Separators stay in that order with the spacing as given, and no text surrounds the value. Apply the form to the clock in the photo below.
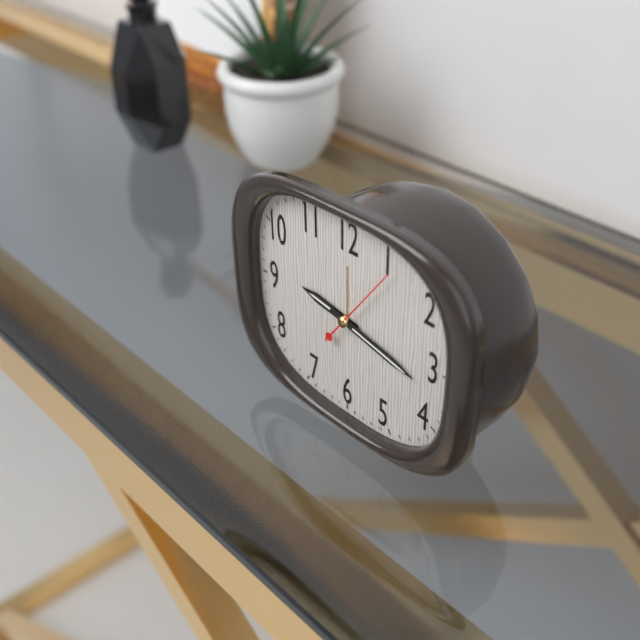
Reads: 9 h 17 min 06 s
